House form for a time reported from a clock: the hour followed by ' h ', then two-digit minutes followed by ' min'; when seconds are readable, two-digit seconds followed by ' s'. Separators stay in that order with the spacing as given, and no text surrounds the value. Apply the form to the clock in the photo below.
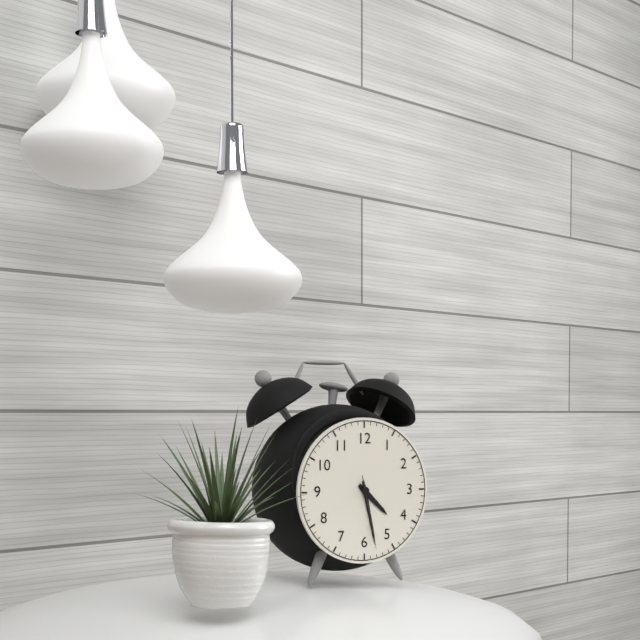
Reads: 4 h 28 min 28 s
